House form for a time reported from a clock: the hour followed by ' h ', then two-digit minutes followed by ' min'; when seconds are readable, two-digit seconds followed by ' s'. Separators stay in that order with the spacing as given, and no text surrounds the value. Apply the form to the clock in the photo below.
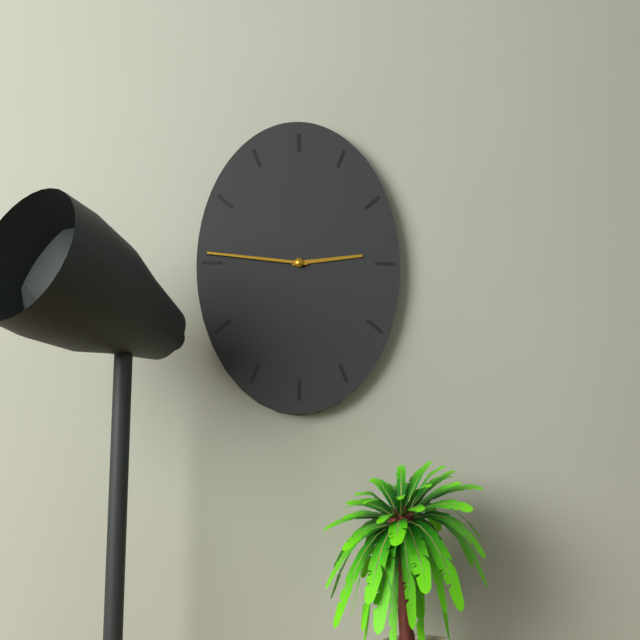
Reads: 2 h 46 min
